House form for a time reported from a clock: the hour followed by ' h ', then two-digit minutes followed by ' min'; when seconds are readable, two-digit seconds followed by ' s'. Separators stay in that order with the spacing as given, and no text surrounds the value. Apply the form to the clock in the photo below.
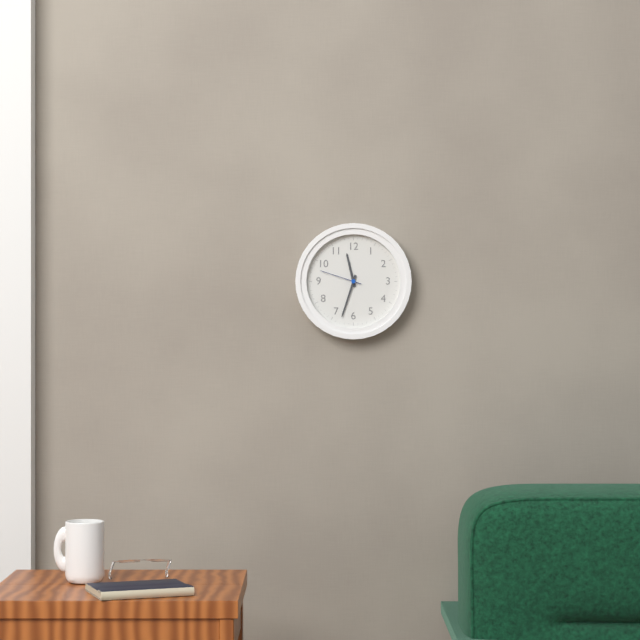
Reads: 11 h 33 min
